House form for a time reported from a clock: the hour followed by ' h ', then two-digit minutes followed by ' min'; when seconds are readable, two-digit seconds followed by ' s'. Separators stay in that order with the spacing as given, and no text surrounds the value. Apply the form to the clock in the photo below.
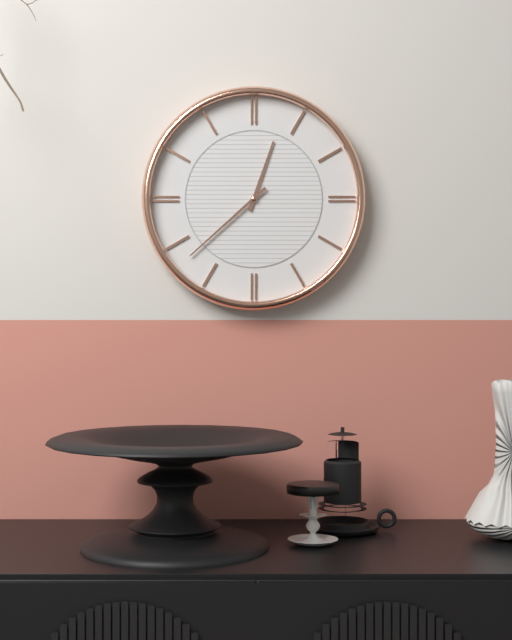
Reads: 12 h 38 min
